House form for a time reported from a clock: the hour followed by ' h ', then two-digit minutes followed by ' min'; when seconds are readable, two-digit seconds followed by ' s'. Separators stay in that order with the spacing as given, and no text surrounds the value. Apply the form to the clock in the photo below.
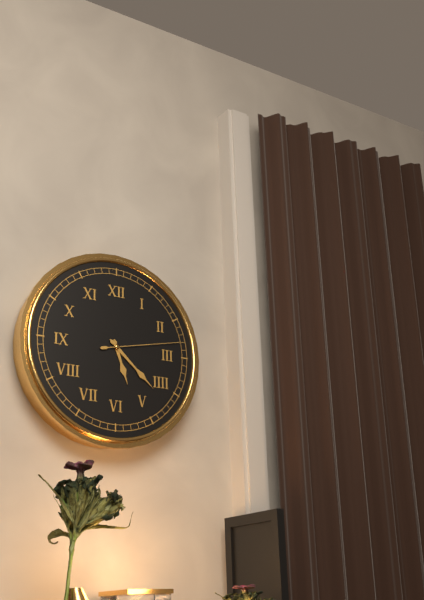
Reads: 5 h 22 min 13 s
